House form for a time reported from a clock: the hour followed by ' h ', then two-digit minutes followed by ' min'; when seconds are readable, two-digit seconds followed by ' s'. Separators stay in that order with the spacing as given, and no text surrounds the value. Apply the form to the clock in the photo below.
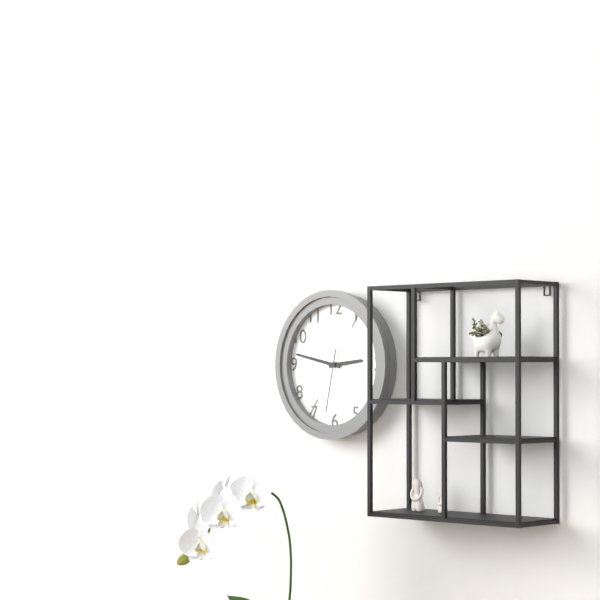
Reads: 2 h 47 min 32 s
